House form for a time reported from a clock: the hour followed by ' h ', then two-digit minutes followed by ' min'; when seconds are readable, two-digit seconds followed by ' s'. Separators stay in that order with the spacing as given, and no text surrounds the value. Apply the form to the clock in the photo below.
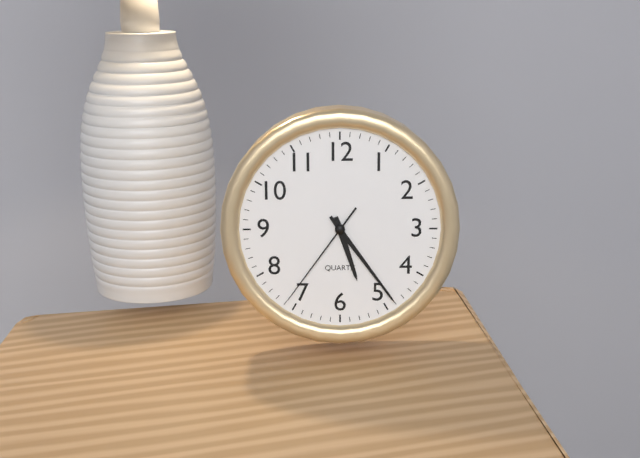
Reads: 5 h 24 min 36 s
